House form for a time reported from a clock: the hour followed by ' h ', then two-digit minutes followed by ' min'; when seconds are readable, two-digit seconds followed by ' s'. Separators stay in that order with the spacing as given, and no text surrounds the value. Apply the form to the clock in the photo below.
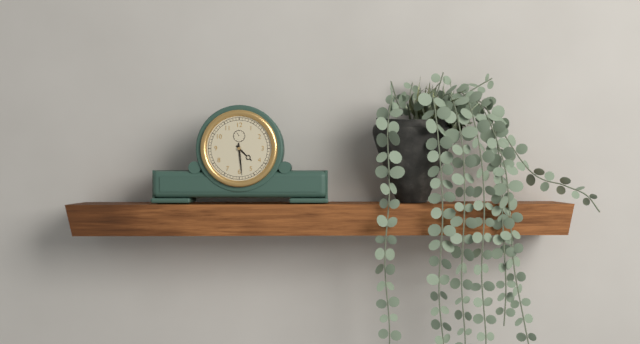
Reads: 4 h 29 min
